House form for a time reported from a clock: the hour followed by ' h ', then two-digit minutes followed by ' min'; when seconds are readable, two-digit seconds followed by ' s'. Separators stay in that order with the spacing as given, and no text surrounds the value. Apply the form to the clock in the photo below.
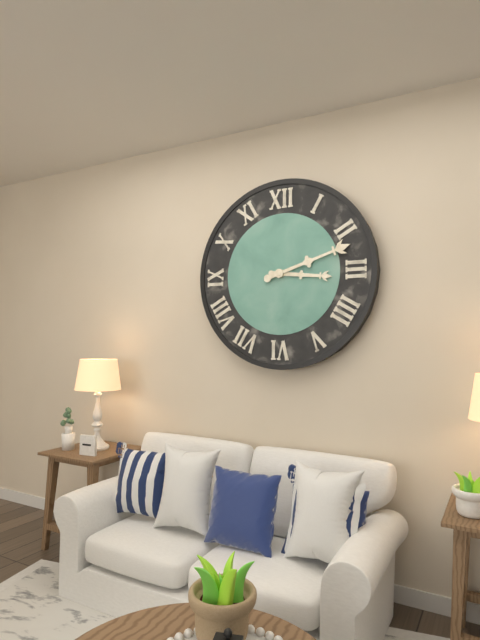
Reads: 3 h 12 min
